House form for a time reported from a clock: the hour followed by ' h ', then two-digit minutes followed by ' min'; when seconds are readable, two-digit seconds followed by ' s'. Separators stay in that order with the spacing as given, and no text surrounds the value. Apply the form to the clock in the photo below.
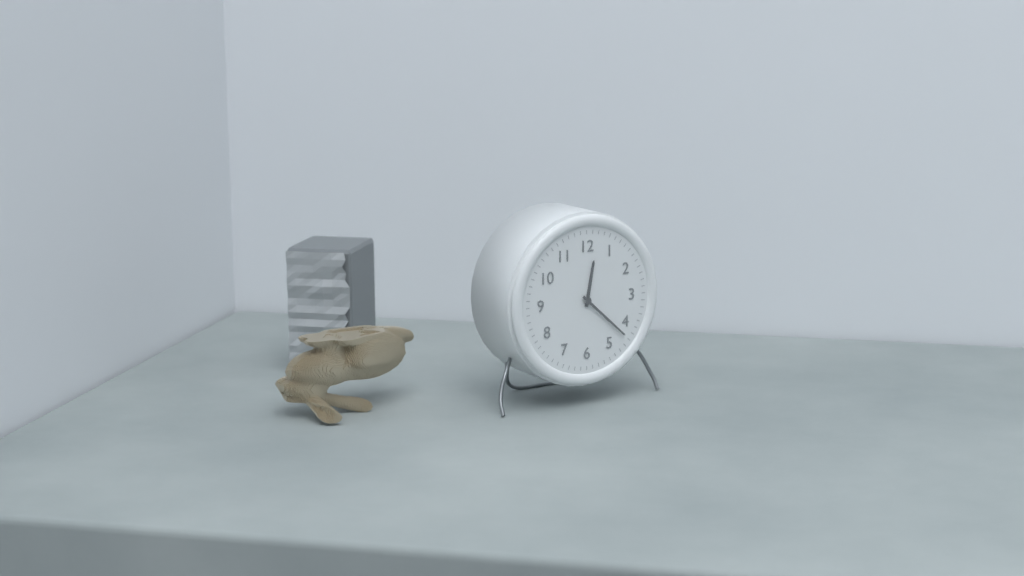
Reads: 12 h 22 min
